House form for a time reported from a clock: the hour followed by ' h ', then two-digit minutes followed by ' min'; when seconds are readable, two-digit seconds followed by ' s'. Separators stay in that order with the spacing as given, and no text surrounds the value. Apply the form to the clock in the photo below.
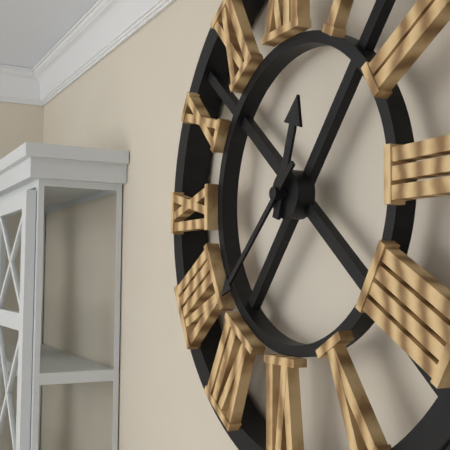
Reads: 12 h 38 min
